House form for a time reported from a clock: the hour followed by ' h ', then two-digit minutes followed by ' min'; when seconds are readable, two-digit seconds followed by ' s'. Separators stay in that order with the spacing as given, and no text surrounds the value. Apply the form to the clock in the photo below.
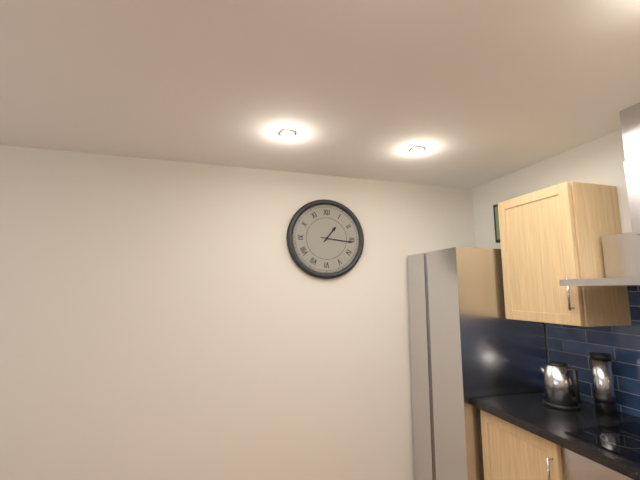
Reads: 1 h 16 min
